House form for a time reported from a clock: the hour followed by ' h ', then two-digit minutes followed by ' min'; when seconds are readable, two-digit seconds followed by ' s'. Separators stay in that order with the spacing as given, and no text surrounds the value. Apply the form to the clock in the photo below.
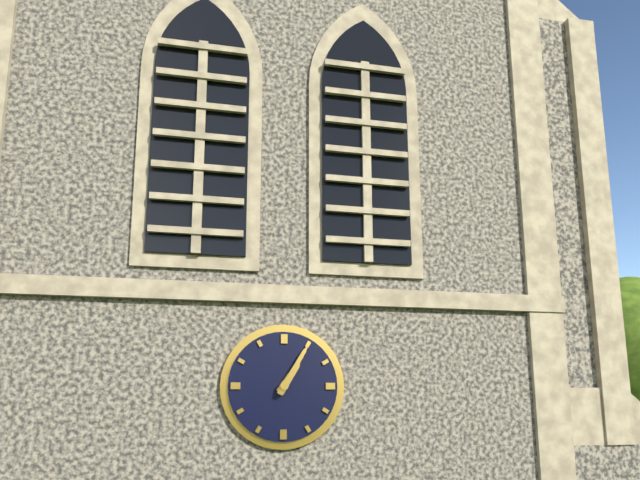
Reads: 1 h 05 min
